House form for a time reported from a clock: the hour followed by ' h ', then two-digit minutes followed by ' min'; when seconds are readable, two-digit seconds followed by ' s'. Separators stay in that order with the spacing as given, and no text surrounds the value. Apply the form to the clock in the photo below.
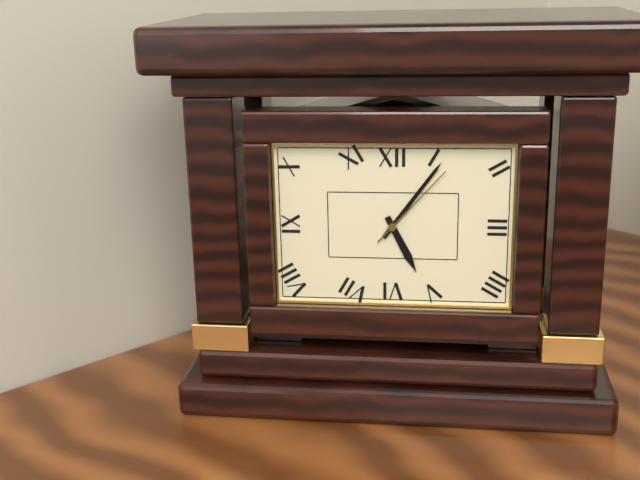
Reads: 5 h 06 min 07 s
